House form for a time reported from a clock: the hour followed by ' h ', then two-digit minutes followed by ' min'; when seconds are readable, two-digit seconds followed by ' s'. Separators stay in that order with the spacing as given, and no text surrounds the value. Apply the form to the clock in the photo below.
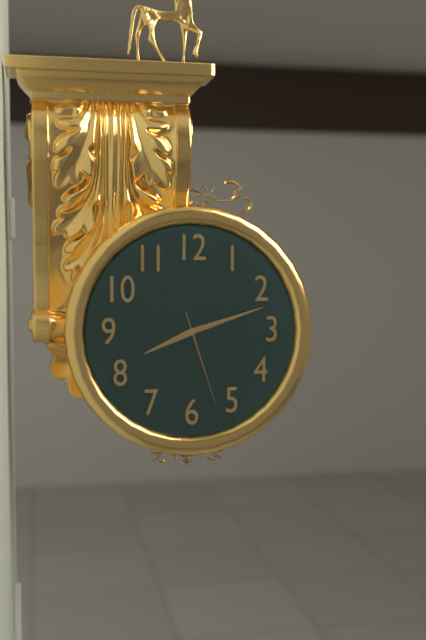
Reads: 8 h 12 min 27 s
